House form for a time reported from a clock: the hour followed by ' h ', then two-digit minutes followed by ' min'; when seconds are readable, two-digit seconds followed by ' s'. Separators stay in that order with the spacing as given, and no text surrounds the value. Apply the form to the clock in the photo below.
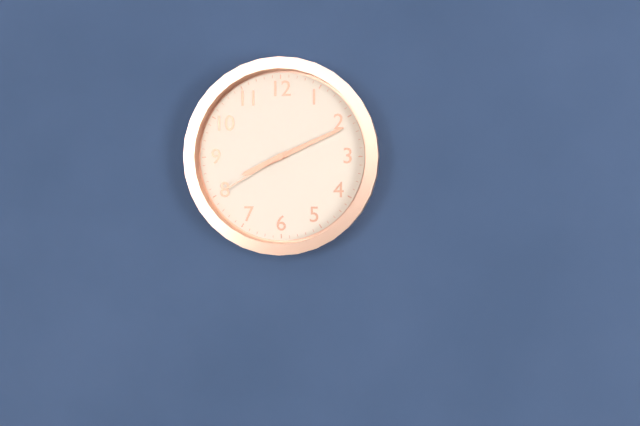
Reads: 8 h 11 min 40 s
